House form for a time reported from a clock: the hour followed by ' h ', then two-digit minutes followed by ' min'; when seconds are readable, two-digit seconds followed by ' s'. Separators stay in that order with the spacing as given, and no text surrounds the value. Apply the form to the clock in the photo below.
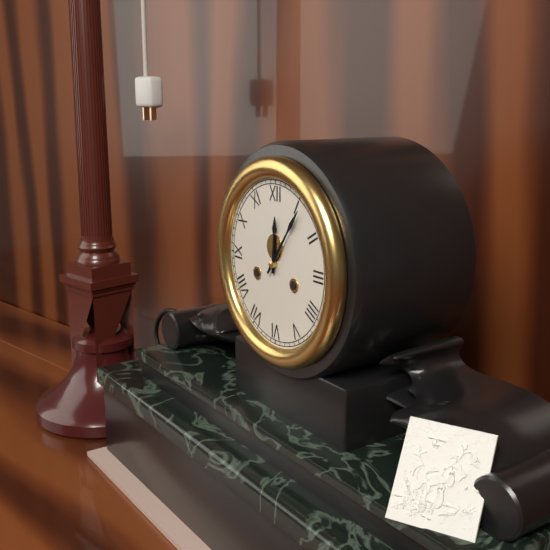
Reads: 12 h 06 min
